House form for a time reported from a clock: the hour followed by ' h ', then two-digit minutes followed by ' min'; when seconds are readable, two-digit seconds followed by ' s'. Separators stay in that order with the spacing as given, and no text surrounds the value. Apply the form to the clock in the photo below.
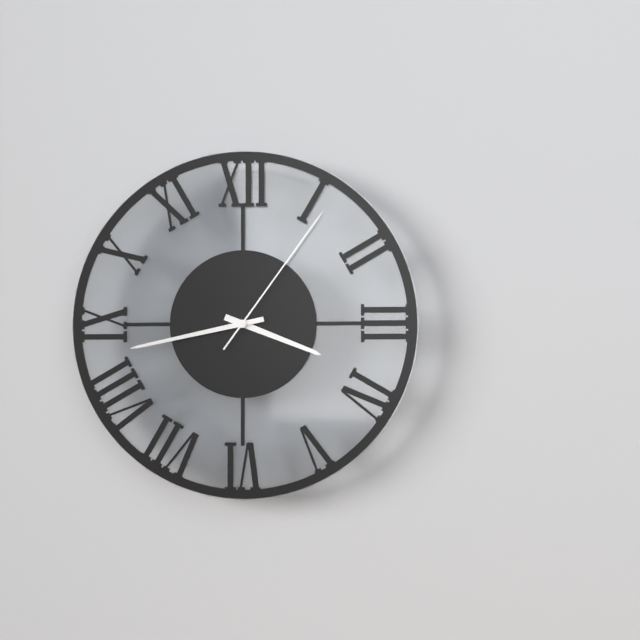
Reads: 3 h 43 min 06 s
